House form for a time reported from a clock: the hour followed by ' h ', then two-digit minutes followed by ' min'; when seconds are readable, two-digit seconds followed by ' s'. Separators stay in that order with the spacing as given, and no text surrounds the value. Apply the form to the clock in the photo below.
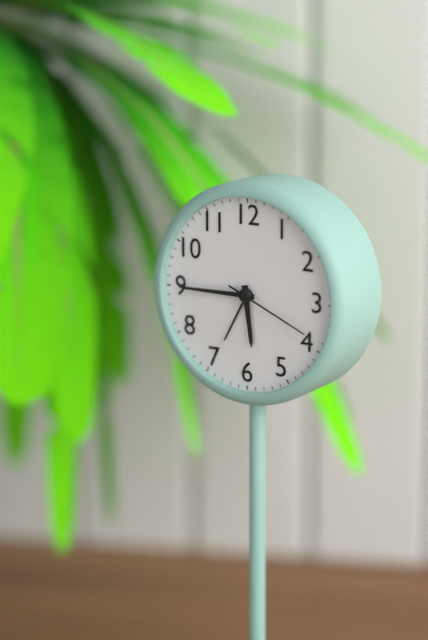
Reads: 5 h 45 min 19 s
